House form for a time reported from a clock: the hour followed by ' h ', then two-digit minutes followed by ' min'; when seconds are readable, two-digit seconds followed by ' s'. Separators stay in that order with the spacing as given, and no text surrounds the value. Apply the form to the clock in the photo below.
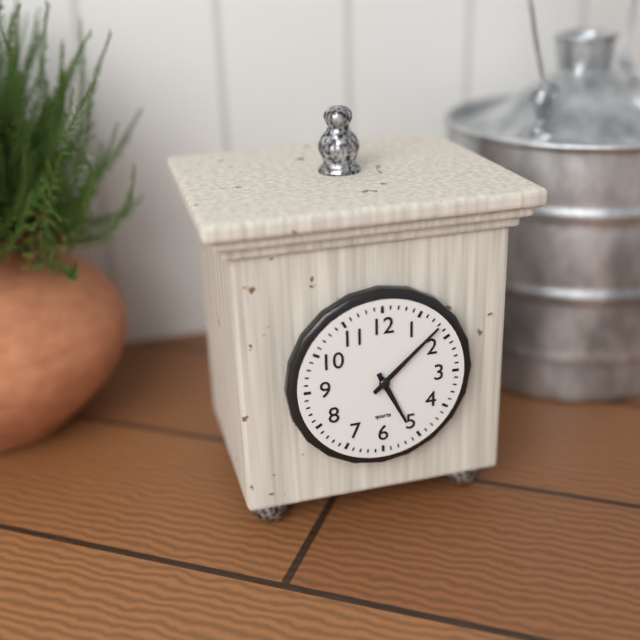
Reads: 5 h 08 min
